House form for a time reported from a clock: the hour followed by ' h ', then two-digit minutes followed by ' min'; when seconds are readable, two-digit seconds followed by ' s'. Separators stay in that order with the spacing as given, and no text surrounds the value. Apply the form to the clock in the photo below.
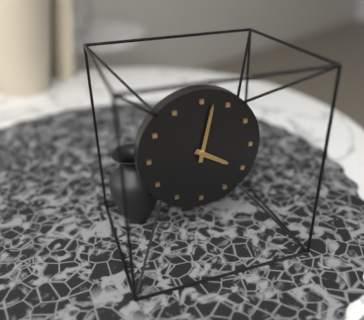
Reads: 4 h 02 min
